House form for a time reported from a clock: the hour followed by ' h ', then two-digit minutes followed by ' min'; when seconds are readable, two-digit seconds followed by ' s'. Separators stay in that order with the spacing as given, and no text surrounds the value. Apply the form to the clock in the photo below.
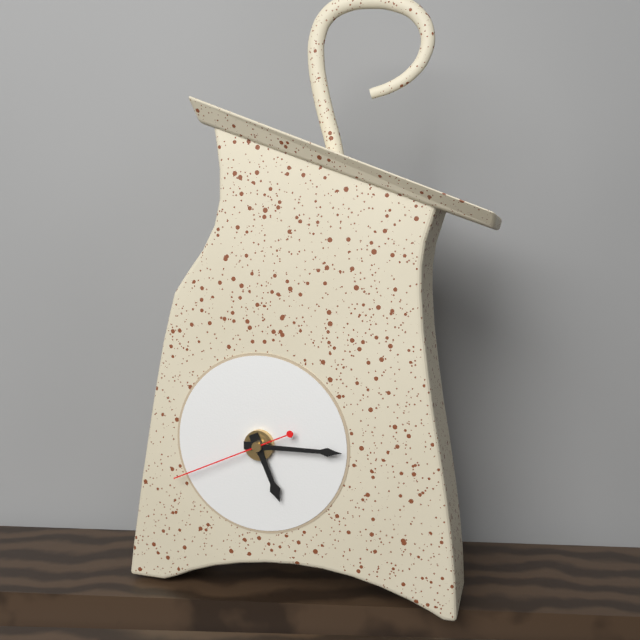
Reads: 5 h 15 min 41 s
